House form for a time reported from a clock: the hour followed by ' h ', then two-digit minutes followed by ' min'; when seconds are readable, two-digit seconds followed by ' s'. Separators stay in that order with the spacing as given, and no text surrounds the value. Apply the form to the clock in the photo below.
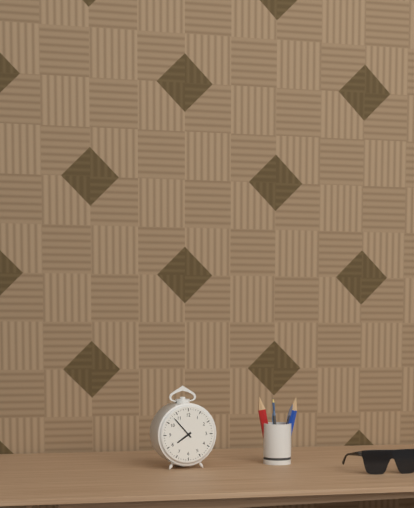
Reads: 7 h 53 min
